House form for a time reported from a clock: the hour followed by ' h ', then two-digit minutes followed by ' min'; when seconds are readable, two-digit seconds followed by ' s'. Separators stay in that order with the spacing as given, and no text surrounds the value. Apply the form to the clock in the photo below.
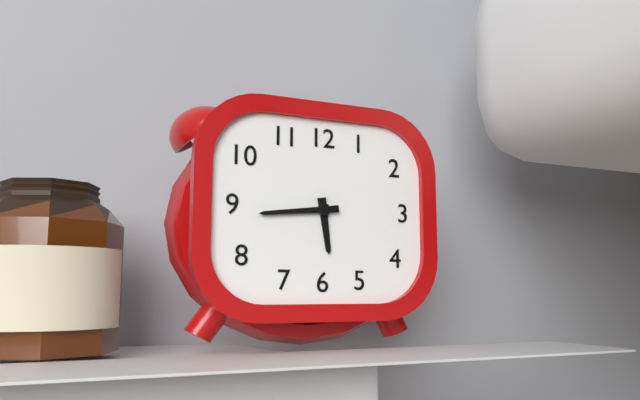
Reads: 5 h 44 min
